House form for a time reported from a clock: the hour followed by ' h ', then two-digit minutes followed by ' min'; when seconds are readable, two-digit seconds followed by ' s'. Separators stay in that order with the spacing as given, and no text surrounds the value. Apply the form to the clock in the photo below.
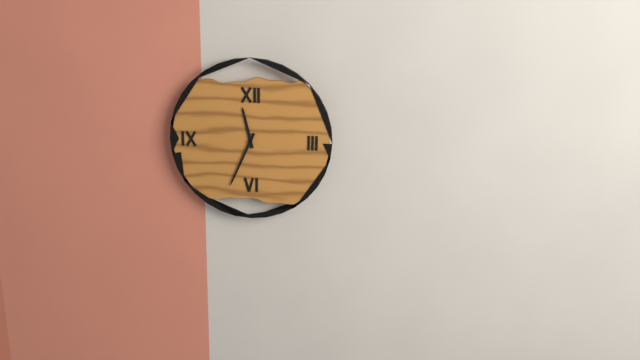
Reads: 11 h 34 min
